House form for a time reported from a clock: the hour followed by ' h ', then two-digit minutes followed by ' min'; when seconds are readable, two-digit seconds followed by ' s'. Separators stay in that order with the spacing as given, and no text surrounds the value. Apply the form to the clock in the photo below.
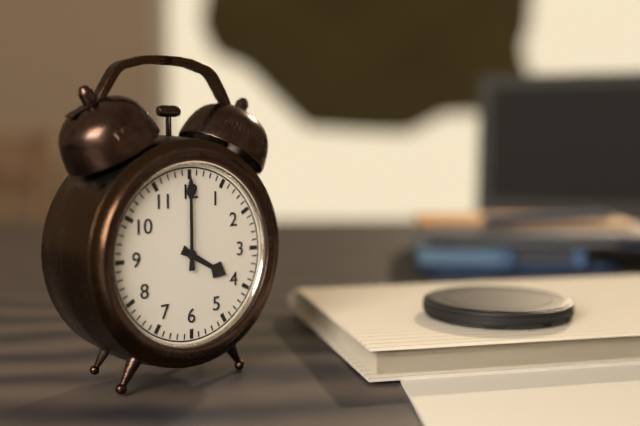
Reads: 4 h 00 min
